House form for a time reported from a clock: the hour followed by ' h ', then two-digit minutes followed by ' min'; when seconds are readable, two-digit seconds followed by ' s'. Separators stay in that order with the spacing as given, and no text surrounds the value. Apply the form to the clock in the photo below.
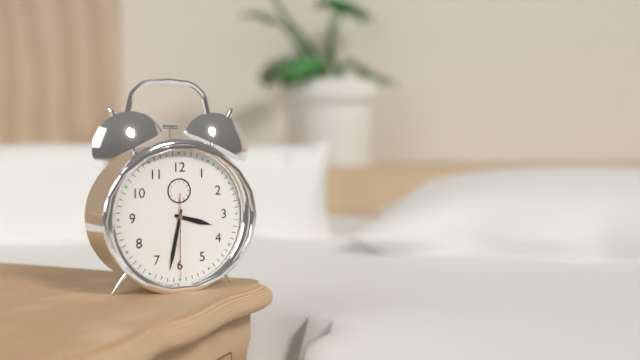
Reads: 3 h 32 min 30 s
